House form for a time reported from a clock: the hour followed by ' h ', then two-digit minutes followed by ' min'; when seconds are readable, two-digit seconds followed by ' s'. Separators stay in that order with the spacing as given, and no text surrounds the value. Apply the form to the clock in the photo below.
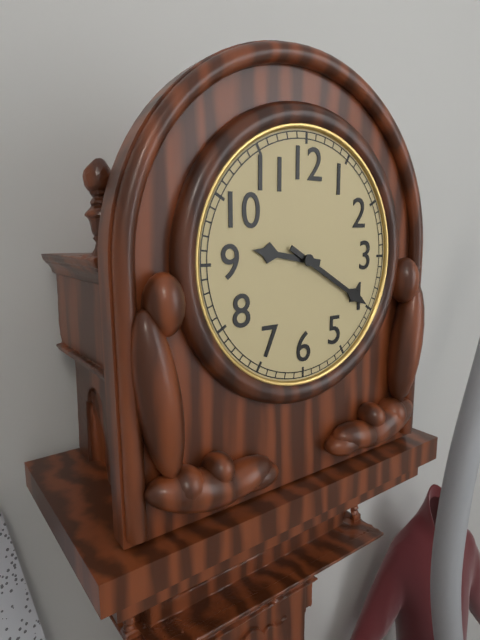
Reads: 9 h 20 min
